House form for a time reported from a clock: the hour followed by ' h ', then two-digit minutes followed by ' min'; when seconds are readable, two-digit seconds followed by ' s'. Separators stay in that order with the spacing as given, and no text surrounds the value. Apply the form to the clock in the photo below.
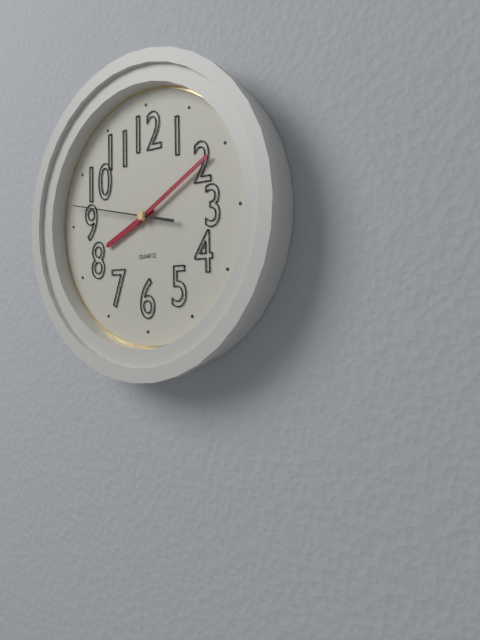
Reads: 8 h 10 min 47 s
